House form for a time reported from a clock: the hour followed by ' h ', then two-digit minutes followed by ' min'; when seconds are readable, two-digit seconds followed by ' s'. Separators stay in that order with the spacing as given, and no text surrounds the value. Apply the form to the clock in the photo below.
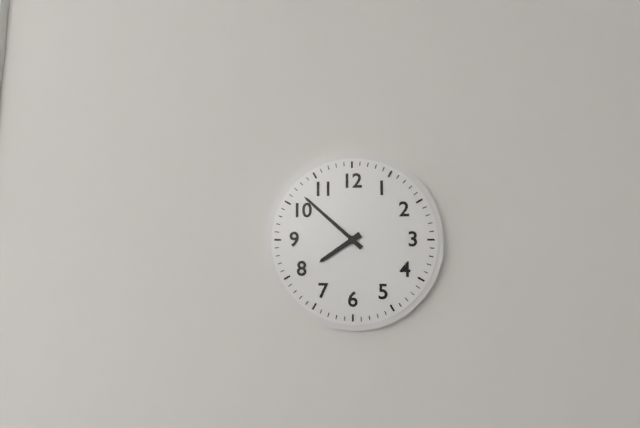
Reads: 7 h 52 min
